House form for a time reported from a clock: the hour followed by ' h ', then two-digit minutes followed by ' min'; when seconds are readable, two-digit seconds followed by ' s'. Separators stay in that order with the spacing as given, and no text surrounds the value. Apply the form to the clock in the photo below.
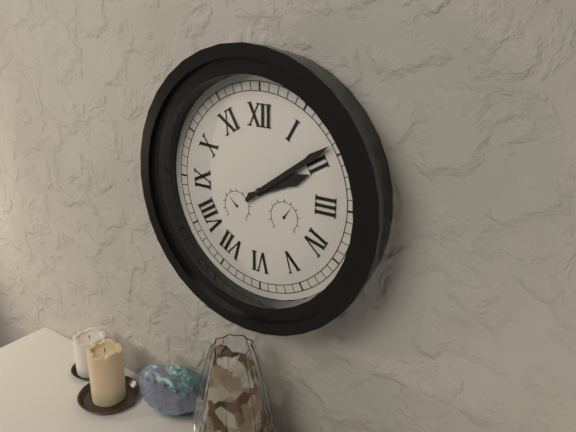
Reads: 2 h 09 min
